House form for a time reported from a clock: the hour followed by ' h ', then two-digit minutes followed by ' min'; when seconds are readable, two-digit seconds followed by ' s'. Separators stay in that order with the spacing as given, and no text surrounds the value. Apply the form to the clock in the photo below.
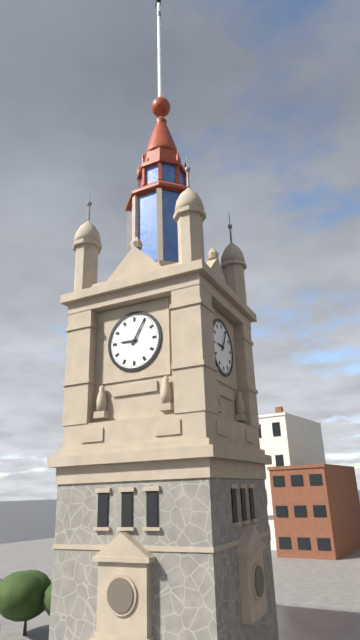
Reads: 9 h 05 min
